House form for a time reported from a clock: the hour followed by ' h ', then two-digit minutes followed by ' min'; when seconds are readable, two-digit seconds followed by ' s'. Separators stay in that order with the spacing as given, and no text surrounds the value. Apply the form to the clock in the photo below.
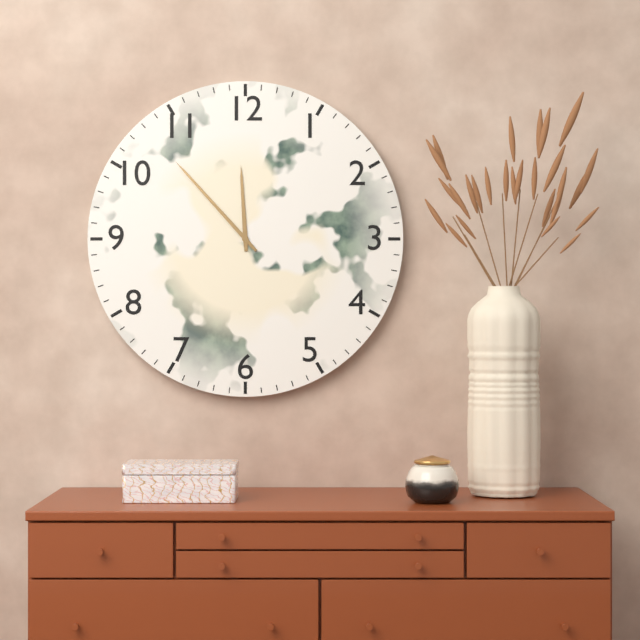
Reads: 11 h 53 min
